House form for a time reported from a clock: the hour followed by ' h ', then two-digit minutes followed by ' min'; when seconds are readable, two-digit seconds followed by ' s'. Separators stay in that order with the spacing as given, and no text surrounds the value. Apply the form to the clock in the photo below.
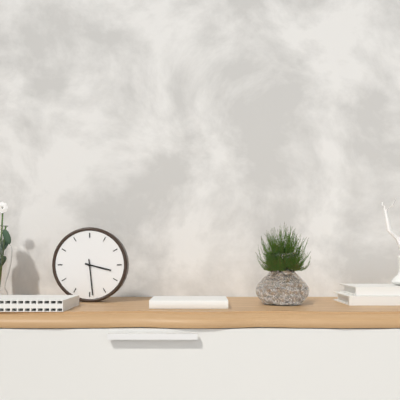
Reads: 3 h 29 min
